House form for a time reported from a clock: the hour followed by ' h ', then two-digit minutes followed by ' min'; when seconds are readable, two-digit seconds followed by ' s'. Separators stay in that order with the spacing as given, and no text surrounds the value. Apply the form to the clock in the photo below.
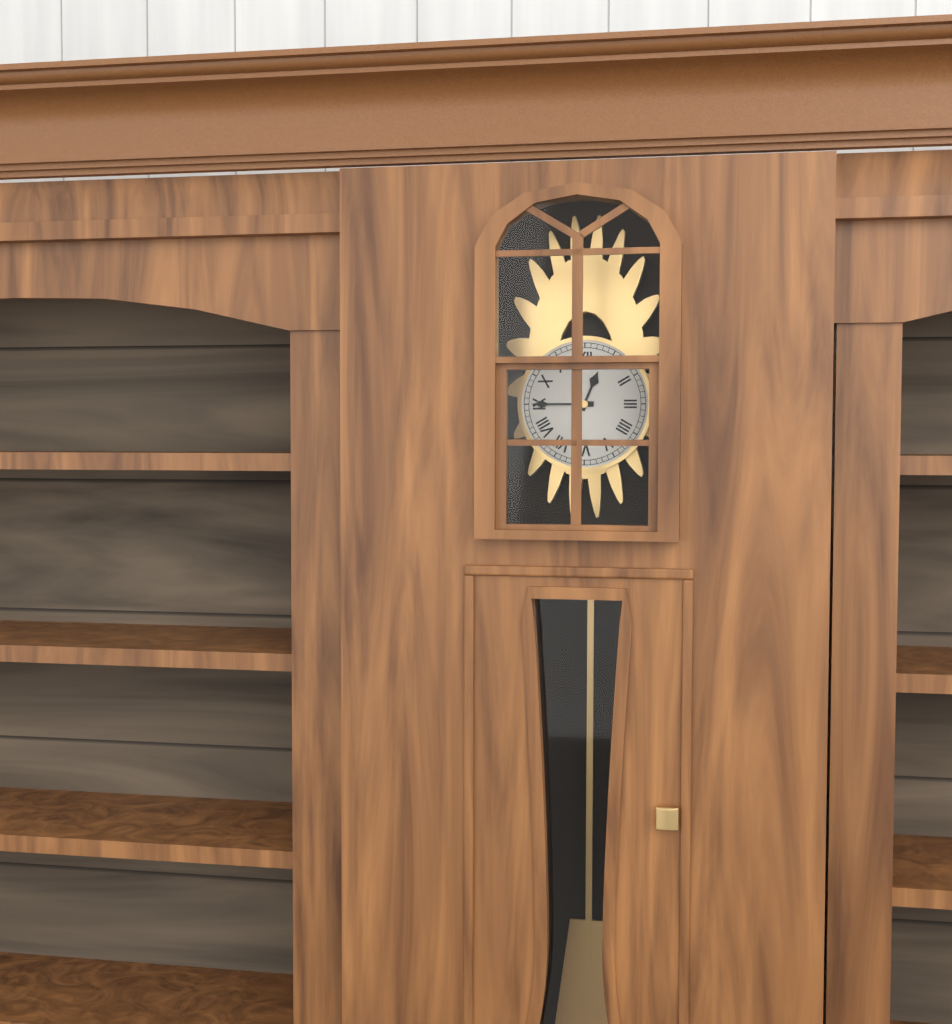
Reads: 12 h 45 min
